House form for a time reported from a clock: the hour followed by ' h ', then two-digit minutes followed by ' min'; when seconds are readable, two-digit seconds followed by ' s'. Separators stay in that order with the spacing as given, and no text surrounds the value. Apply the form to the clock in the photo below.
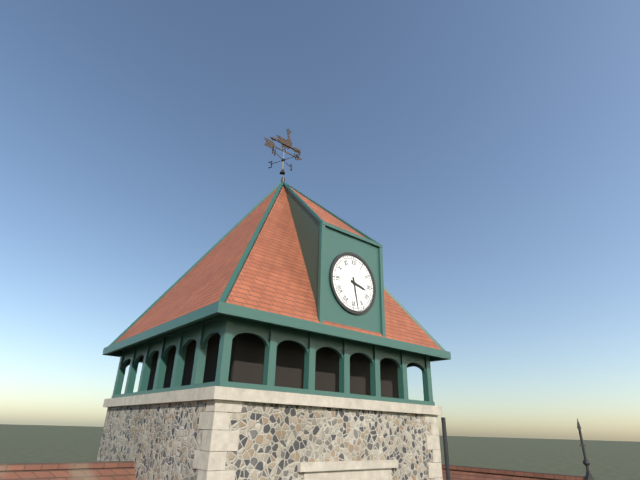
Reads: 3 h 28 min
